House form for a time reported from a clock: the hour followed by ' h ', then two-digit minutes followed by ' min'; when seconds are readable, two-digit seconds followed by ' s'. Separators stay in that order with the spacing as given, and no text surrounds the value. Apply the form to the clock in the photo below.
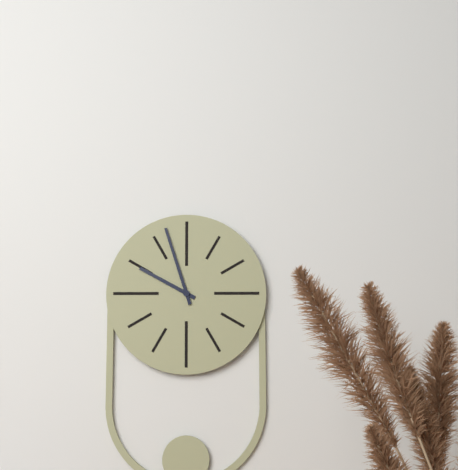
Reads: 9 h 57 min
